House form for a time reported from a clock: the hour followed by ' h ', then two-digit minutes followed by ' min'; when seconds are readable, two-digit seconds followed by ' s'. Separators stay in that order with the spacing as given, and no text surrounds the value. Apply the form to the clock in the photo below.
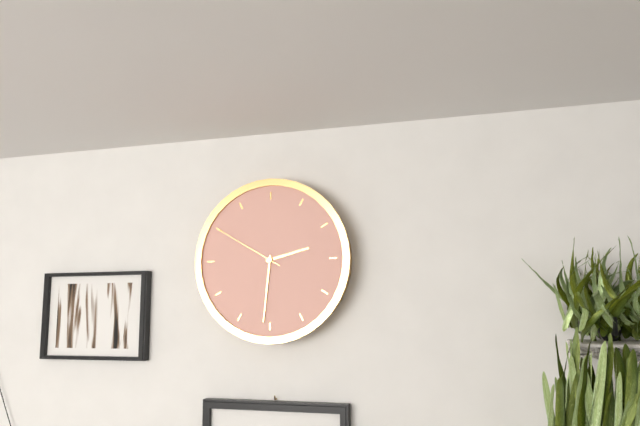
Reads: 2 h 31 min 50 s
